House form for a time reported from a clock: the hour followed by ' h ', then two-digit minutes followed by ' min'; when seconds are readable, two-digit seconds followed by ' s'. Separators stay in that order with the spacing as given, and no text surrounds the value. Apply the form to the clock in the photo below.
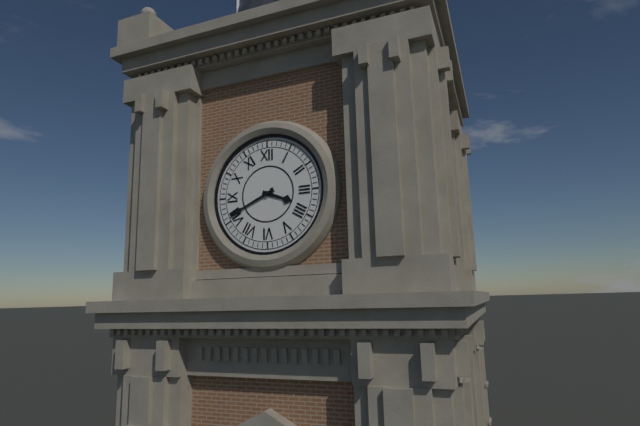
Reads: 3 h 41 min
